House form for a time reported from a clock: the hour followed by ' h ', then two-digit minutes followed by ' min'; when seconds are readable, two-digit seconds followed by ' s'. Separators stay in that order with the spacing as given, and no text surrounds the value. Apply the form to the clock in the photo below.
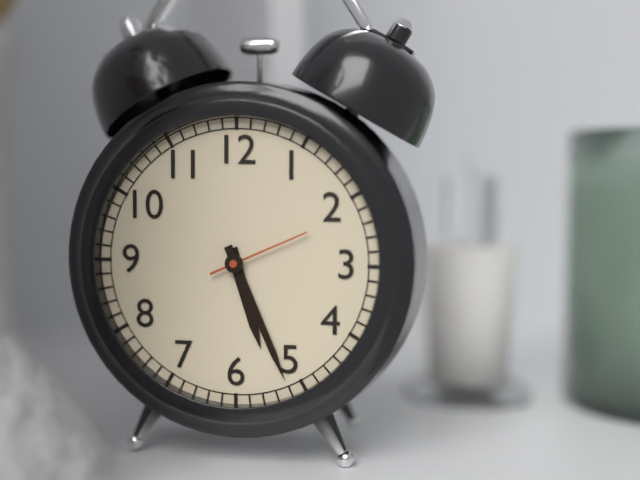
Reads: 5 h 26 min 11 s
